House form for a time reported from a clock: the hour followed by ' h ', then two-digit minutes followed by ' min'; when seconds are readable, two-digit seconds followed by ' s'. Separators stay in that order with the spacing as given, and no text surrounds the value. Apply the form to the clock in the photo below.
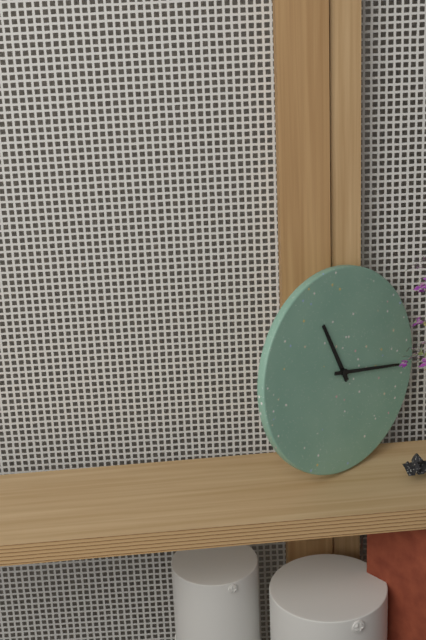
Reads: 11 h 17 min
